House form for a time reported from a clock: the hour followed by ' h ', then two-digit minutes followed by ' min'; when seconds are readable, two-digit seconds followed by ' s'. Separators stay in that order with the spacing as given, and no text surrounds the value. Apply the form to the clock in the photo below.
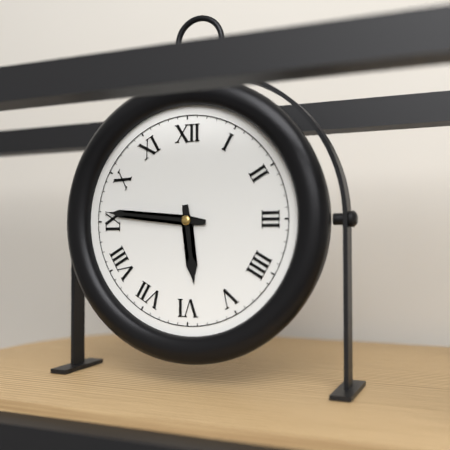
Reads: 5 h 46 min
